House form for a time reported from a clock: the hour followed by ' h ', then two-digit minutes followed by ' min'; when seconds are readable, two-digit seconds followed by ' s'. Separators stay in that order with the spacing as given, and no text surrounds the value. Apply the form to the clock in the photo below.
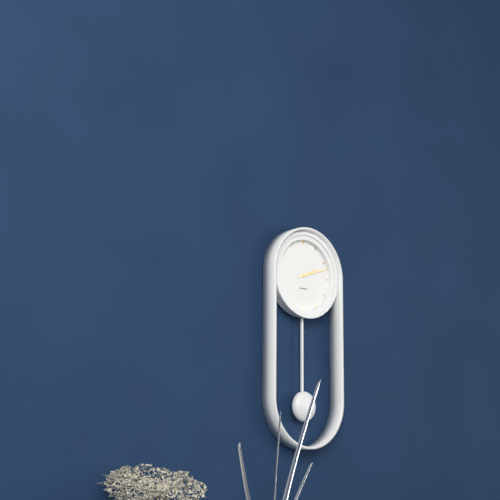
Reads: 2 h 12 min
